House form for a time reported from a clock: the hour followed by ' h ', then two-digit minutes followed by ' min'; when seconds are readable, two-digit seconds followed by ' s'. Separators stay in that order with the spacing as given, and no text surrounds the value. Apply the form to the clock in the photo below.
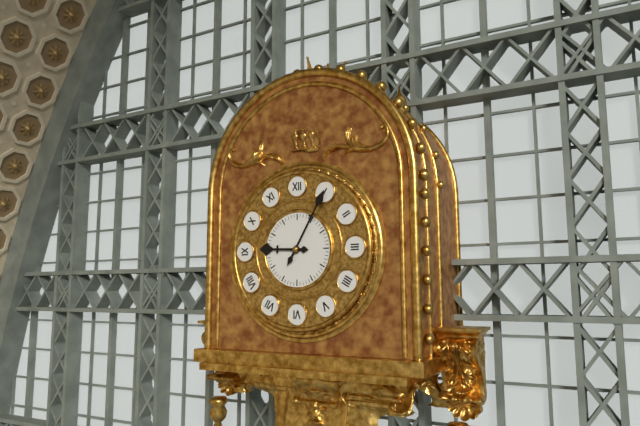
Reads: 9 h 05 min
